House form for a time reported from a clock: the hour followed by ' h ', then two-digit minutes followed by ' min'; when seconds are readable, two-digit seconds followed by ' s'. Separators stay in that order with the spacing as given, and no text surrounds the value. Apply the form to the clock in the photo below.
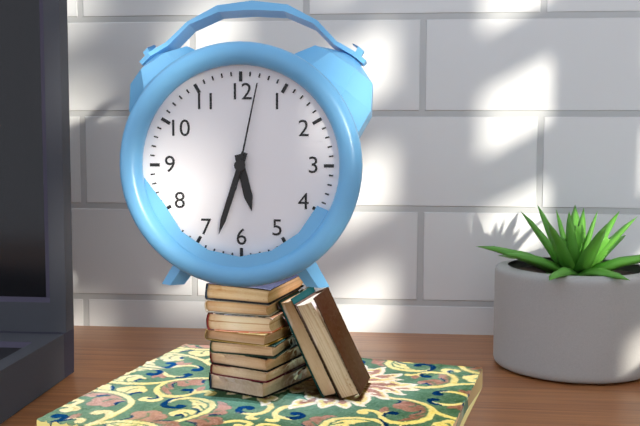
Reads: 5 h 33 min 02 s
